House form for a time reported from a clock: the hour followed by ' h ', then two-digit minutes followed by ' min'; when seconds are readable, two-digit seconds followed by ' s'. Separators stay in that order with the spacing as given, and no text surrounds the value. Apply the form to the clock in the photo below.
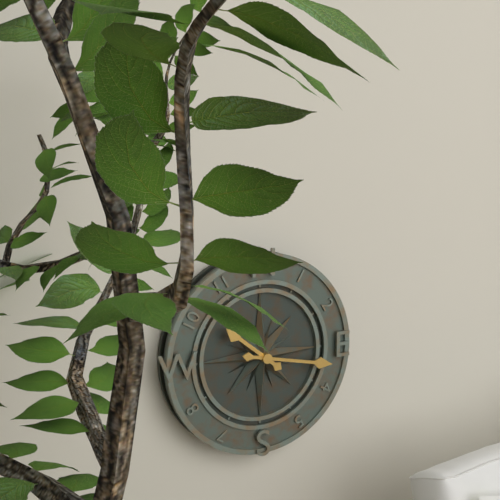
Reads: 10 h 17 min
